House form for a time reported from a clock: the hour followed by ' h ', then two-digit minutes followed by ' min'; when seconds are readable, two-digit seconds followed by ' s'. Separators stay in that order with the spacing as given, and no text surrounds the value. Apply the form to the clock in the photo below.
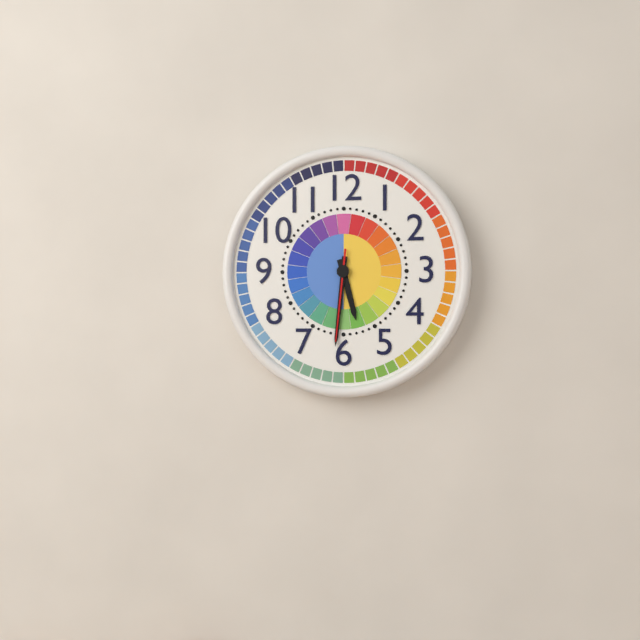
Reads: 5 h 31 min 31 s
